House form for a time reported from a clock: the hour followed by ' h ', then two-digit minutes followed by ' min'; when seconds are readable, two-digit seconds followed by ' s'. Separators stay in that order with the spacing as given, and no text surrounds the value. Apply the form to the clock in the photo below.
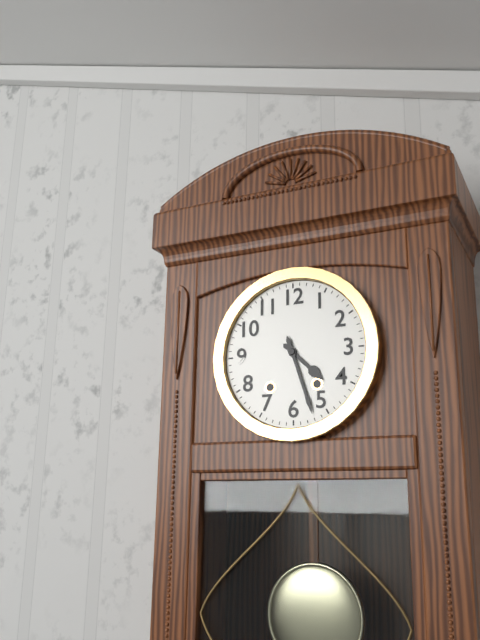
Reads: 4 h 27 min
